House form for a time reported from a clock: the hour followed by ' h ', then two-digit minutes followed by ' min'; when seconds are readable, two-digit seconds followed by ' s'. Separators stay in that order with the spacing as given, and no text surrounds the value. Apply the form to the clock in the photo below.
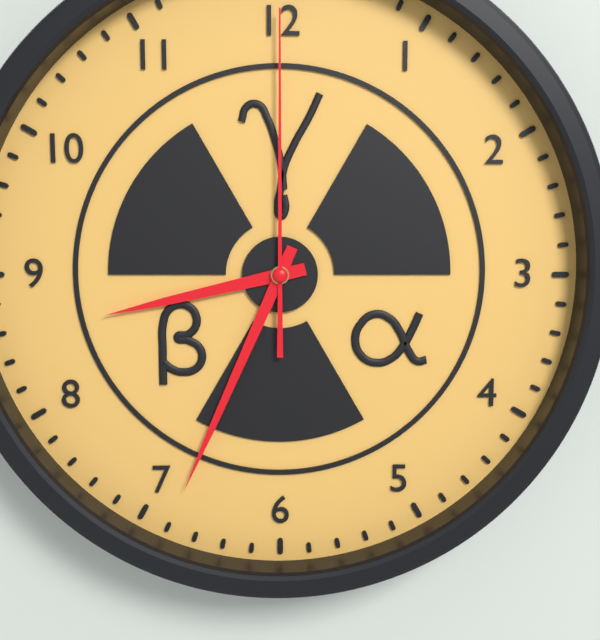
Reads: 8 h 34 min 00 s
